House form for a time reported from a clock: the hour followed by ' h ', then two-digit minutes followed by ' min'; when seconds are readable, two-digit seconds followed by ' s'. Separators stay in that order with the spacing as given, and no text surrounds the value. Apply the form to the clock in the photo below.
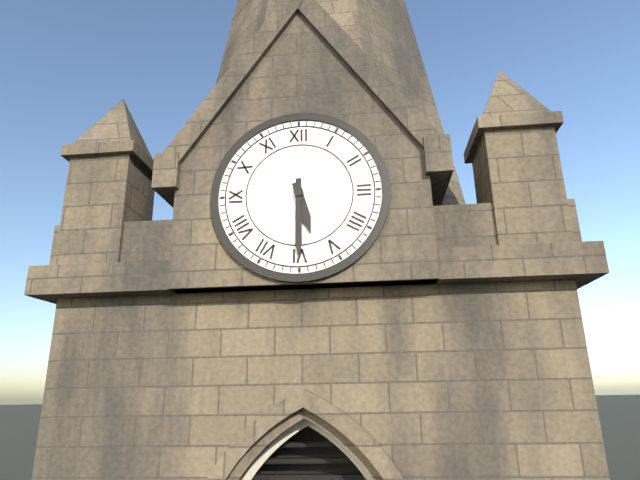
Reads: 5 h 30 min
